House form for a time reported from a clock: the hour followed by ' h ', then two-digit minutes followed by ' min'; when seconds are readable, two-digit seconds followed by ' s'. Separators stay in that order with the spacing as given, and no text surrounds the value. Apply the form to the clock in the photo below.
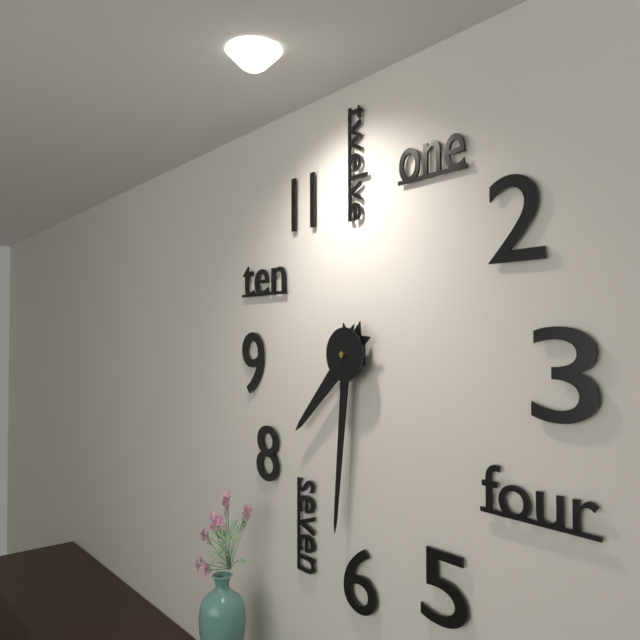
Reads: 7 h 31 min
